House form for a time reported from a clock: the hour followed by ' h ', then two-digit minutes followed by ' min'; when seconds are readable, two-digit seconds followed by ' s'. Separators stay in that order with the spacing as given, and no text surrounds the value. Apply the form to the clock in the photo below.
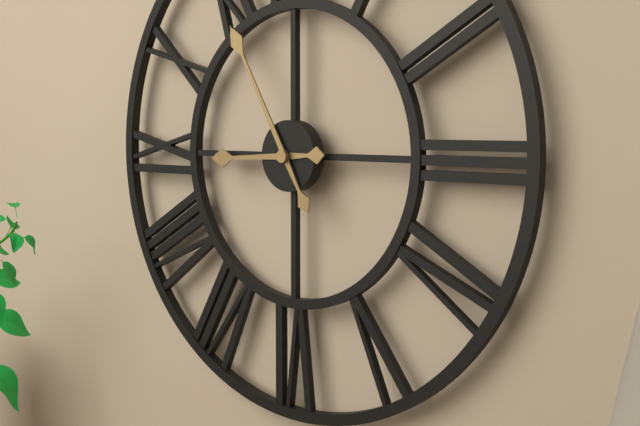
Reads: 8 h 55 min
